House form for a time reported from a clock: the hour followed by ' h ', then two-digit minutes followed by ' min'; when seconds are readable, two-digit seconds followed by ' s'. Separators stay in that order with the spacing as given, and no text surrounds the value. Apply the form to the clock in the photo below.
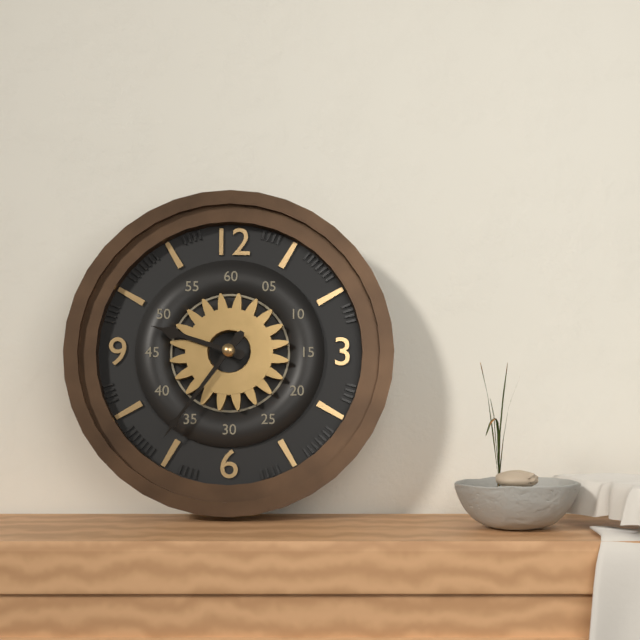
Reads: 9 h 36 min
